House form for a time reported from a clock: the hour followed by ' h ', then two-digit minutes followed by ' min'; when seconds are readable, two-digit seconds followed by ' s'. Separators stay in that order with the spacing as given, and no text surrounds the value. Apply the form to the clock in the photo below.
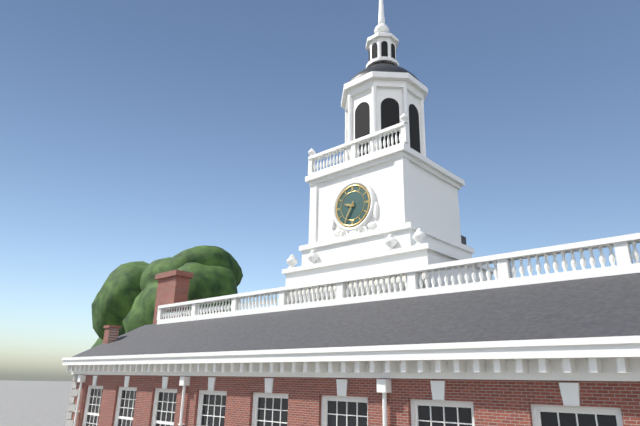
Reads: 9 h 35 min
